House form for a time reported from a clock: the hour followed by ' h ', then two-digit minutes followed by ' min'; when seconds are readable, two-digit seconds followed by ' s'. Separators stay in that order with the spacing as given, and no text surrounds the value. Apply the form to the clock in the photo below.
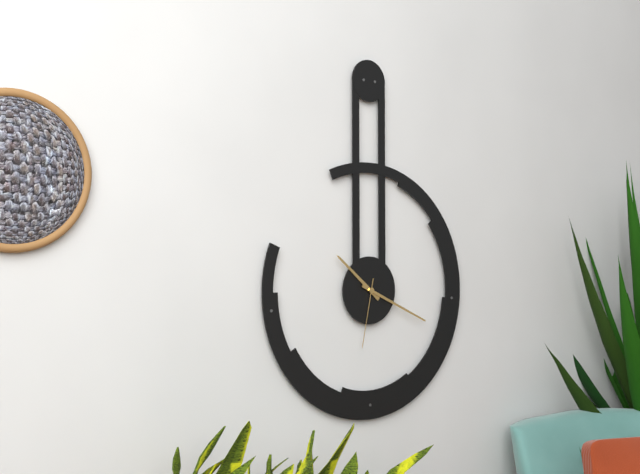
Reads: 10 h 19 min 32 s
